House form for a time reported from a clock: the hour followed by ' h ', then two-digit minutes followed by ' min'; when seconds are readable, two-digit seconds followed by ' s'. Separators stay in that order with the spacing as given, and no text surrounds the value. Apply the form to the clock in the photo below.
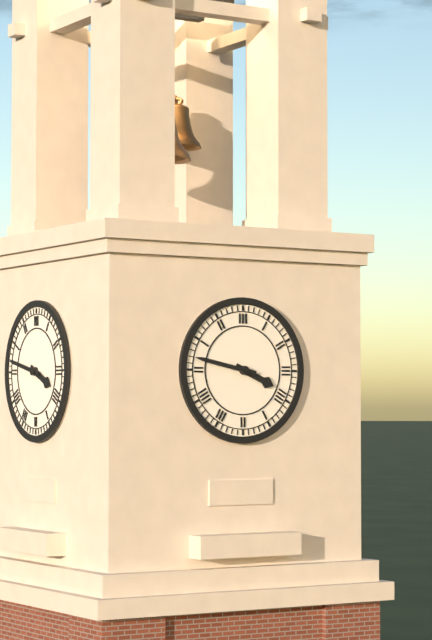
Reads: 3 h 47 min
